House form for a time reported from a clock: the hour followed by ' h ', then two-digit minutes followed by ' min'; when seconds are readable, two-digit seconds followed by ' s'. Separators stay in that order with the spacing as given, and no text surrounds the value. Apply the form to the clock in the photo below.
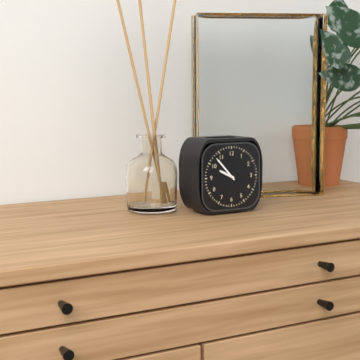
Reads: 9 h 53 min
